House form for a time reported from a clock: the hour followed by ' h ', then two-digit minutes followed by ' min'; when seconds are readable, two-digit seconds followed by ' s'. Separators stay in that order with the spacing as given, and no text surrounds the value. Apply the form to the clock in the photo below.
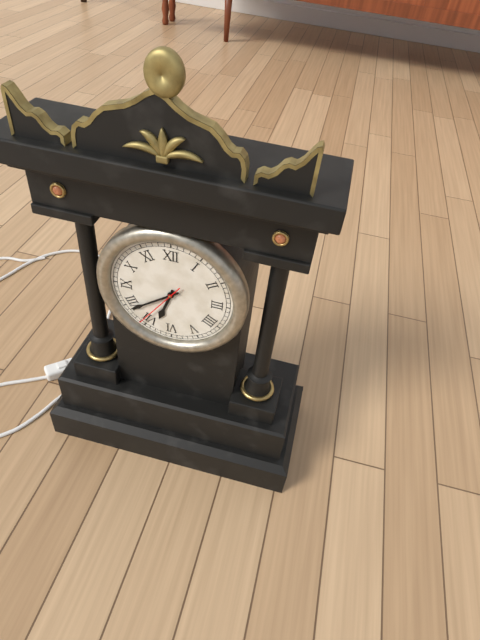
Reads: 6 h 39 min 36 s
